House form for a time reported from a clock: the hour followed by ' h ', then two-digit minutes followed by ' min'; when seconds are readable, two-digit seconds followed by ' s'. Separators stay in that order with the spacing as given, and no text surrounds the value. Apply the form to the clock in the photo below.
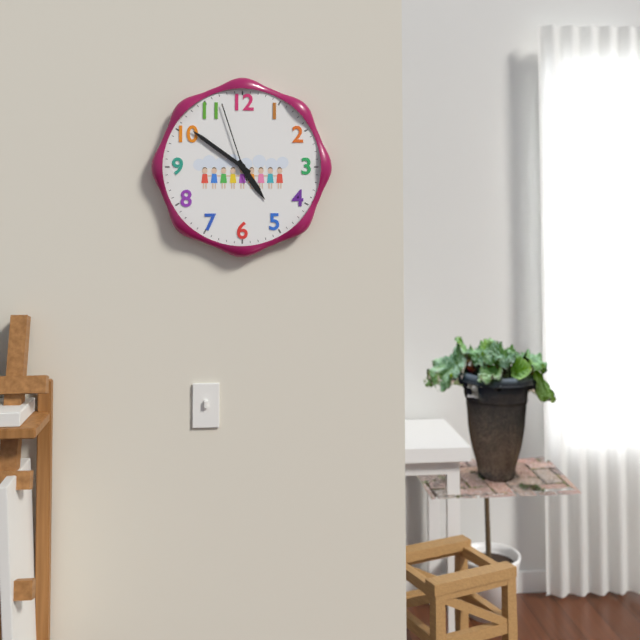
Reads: 4 h 51 min 57 s
